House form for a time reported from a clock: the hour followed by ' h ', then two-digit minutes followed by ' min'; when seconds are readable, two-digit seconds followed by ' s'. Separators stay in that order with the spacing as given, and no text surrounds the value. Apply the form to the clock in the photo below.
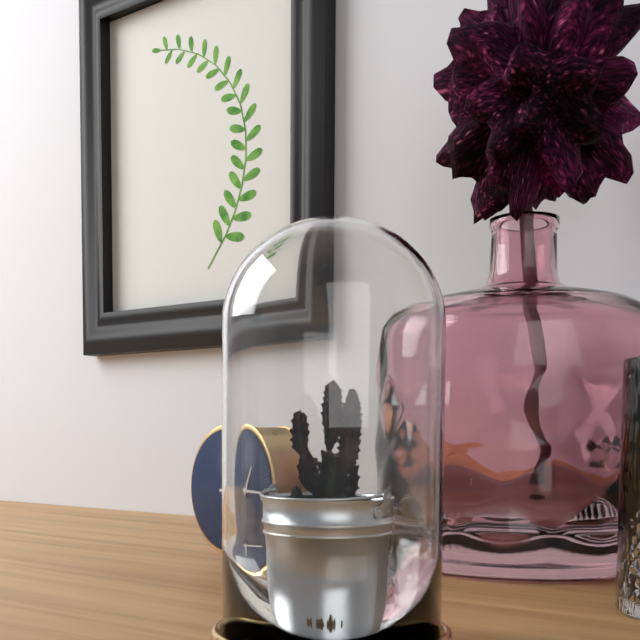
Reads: 1 h 15 min
